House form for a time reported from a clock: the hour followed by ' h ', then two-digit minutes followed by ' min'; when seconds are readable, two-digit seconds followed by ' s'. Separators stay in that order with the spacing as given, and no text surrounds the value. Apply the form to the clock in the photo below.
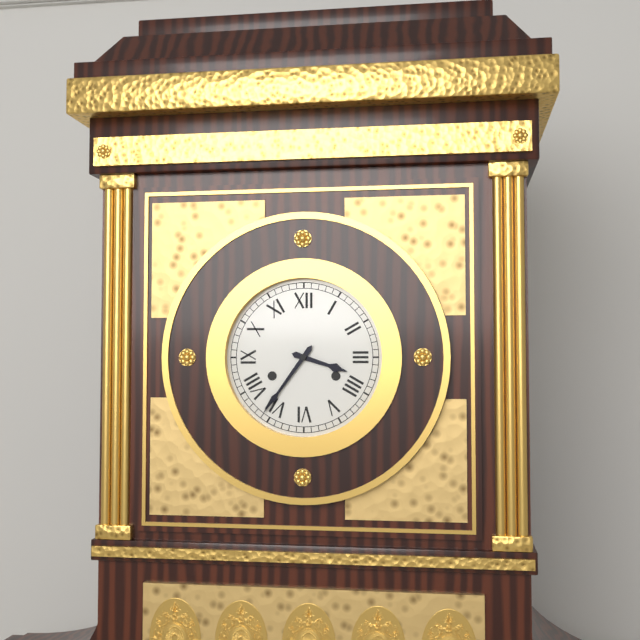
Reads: 3 h 36 min
